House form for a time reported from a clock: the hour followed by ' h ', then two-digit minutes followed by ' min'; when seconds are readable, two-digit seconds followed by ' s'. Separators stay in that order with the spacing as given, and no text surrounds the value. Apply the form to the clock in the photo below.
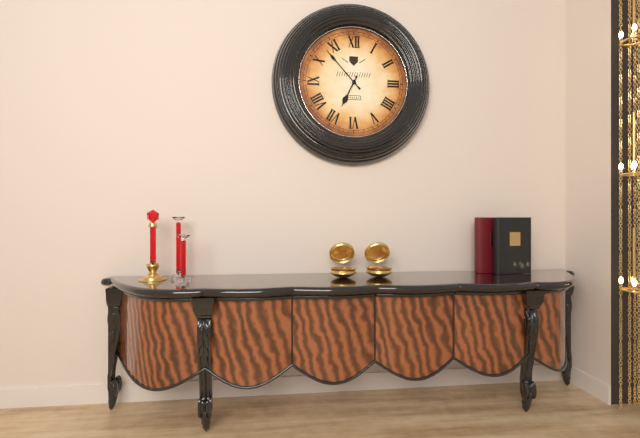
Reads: 6 h 53 min
